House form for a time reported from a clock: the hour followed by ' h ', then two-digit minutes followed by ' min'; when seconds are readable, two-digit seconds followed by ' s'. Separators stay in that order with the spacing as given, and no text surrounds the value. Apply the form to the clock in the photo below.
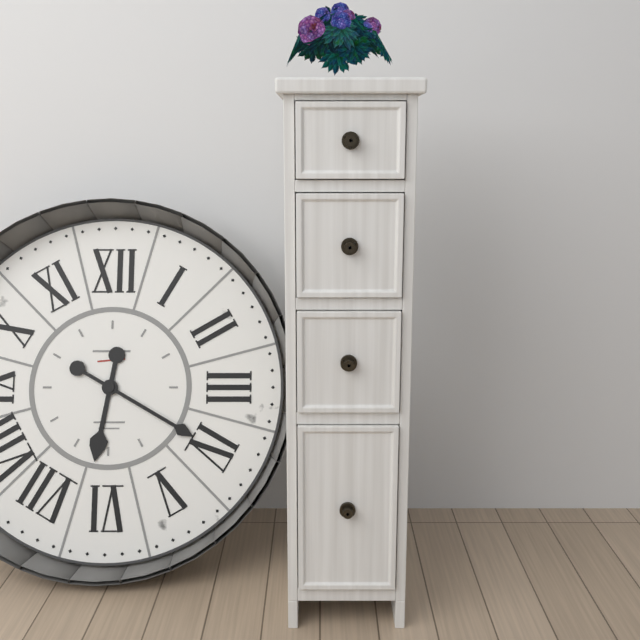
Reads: 6 h 20 min
